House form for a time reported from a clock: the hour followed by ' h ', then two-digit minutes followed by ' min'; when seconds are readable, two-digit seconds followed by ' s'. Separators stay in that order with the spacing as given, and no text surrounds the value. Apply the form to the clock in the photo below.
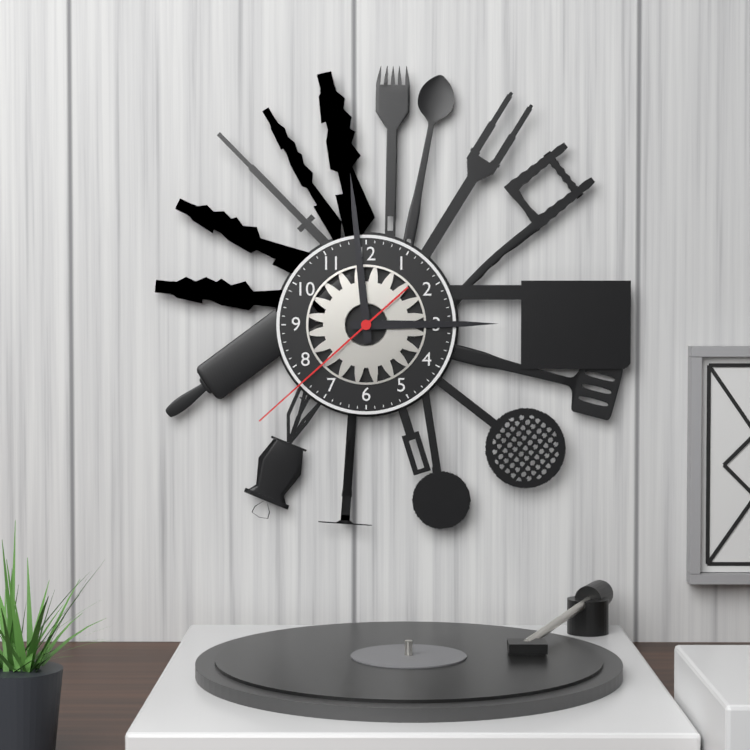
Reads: 2 h 59 min 38 s
